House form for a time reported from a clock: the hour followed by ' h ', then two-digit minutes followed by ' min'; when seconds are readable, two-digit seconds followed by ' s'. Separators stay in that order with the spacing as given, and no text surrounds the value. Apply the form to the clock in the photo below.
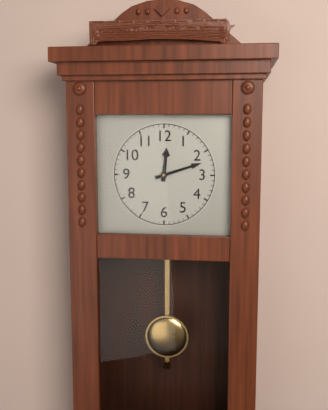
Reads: 12 h 12 min
